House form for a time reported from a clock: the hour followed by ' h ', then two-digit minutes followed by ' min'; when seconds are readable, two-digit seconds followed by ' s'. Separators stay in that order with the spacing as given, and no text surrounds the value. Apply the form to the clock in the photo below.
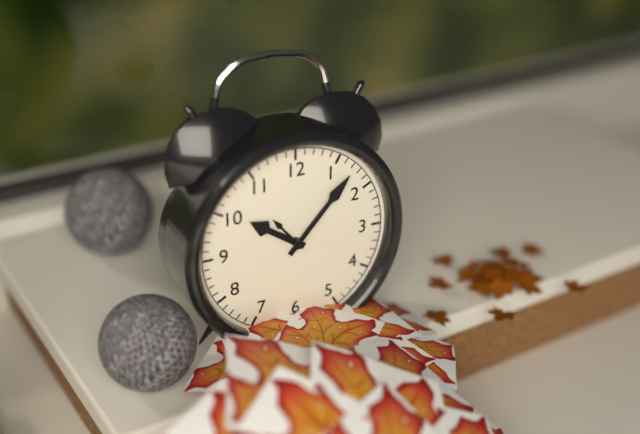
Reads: 10 h 07 min
